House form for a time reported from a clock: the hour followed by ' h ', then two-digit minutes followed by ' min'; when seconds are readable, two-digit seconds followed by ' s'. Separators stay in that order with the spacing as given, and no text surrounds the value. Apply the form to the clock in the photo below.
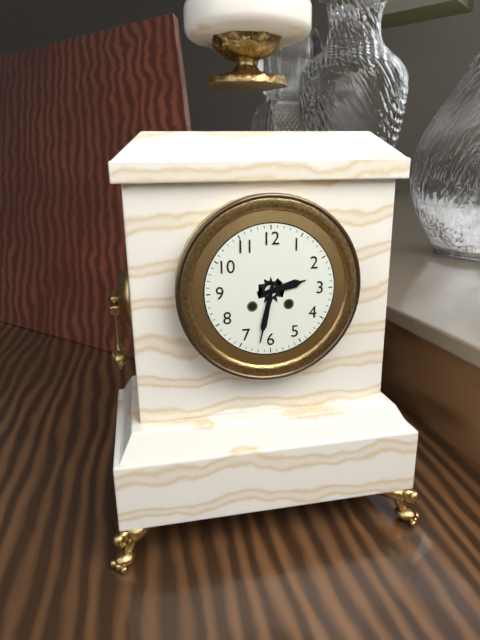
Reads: 2 h 32 min
